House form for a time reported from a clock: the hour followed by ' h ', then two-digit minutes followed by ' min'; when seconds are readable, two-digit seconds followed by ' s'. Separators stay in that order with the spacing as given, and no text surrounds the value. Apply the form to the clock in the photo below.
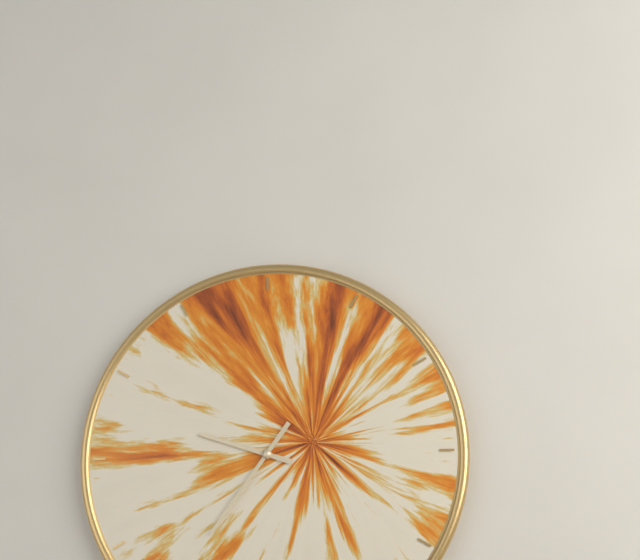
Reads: 9 h 36 min
